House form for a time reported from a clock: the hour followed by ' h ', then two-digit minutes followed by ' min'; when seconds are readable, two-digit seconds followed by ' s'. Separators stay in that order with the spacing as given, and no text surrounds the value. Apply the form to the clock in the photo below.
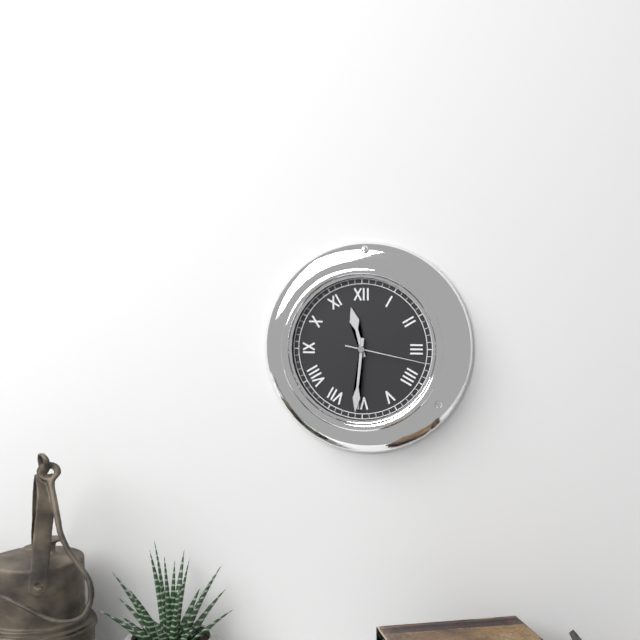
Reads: 11 h 31 min 17 s
